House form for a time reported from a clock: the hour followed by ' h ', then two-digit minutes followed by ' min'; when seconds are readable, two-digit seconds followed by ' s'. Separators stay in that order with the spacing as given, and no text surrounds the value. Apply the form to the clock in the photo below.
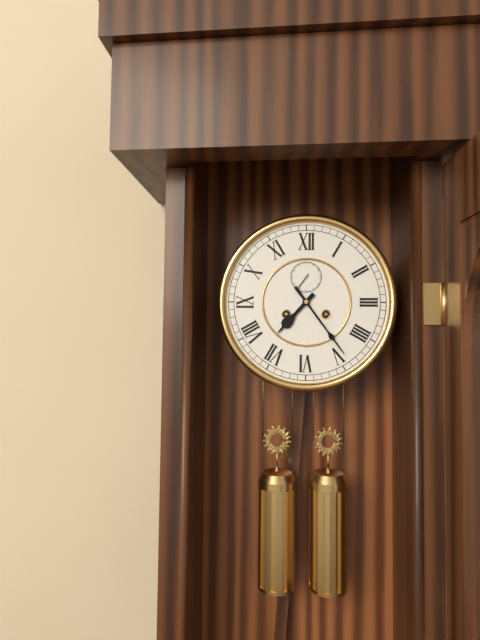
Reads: 7 h 24 min
